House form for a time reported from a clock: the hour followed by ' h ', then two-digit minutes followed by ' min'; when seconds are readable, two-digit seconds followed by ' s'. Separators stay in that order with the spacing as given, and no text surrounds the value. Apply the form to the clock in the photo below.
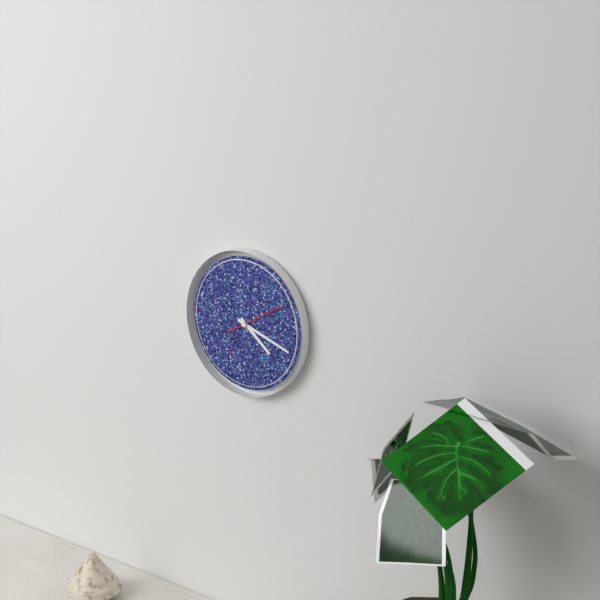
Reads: 4 h 18 min 10 s
